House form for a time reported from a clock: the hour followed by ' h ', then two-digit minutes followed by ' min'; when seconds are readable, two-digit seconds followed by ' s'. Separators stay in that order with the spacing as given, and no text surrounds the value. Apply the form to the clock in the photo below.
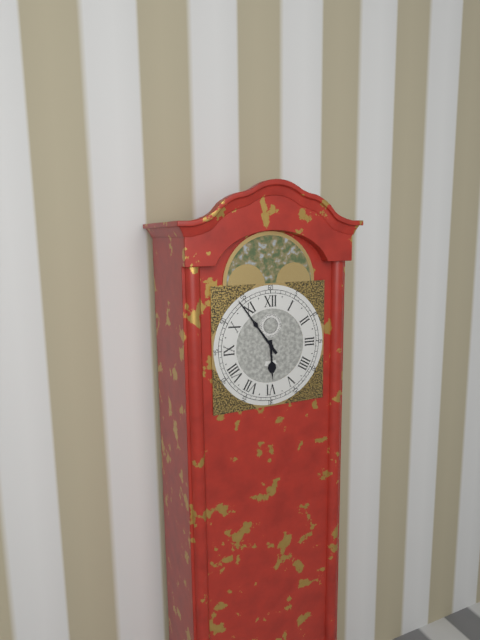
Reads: 5 h 54 min
